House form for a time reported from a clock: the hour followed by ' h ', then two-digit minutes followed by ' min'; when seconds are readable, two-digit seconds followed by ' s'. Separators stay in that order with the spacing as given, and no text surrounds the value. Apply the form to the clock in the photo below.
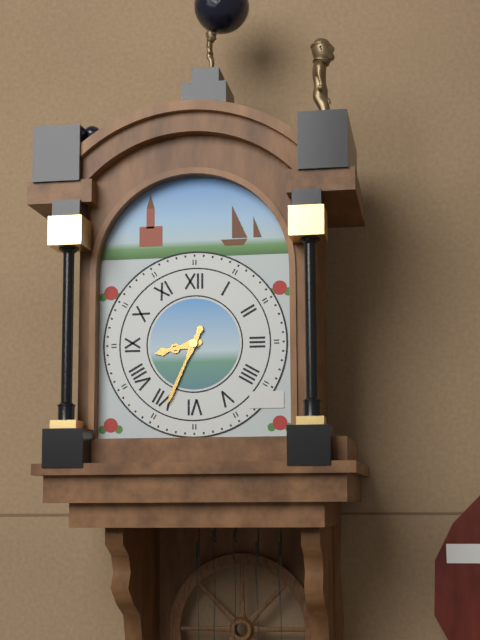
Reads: 8 h 34 min
